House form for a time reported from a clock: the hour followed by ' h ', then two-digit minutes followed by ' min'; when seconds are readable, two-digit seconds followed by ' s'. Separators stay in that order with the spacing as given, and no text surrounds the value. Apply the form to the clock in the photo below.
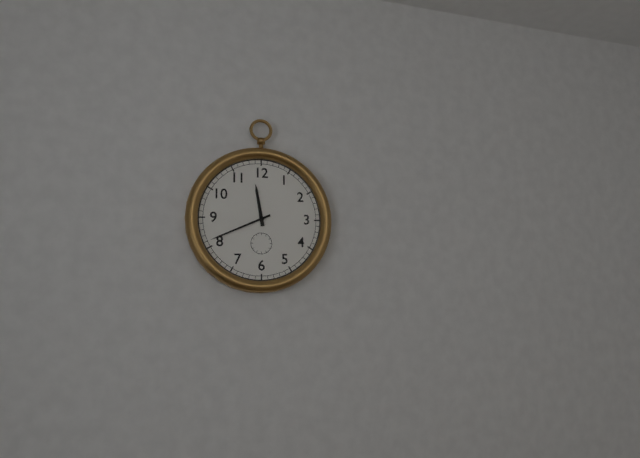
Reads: 11 h 41 min
